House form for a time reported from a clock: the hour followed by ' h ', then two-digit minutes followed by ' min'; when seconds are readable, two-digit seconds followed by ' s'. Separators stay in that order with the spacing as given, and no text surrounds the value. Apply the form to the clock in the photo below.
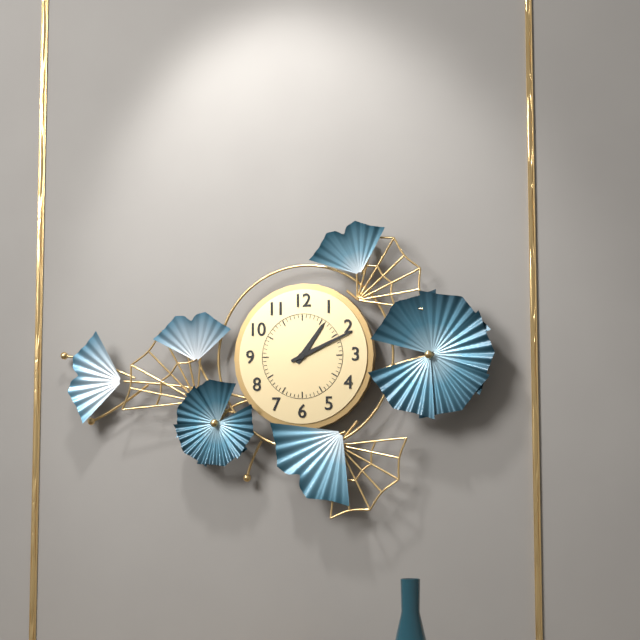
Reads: 1 h 11 min
